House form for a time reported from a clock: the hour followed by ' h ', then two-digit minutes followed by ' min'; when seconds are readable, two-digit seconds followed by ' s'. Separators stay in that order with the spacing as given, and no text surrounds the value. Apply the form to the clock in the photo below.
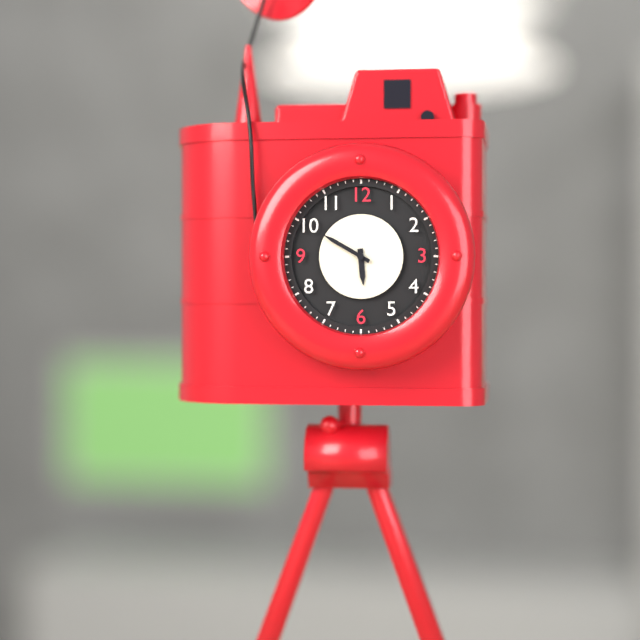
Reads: 5 h 50 min
